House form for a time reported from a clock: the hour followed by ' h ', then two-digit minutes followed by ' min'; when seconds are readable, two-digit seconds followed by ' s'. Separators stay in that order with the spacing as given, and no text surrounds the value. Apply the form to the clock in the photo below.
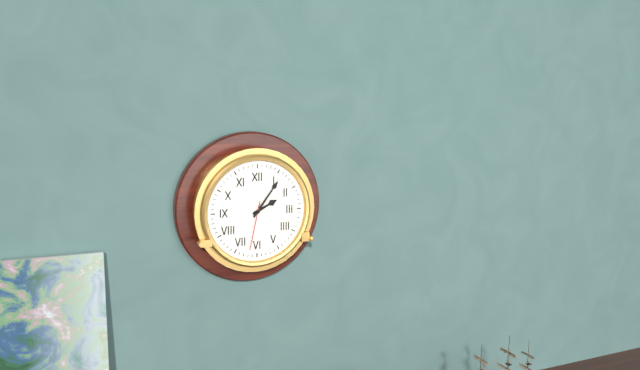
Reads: 2 h 06 min 32 s
